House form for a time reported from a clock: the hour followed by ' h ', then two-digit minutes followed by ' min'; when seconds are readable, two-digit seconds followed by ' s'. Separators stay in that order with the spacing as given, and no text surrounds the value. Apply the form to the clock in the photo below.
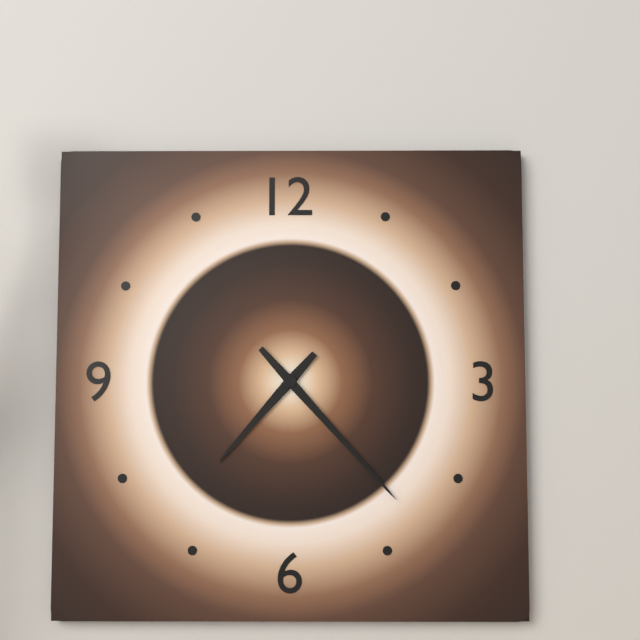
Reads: 7 h 23 min
